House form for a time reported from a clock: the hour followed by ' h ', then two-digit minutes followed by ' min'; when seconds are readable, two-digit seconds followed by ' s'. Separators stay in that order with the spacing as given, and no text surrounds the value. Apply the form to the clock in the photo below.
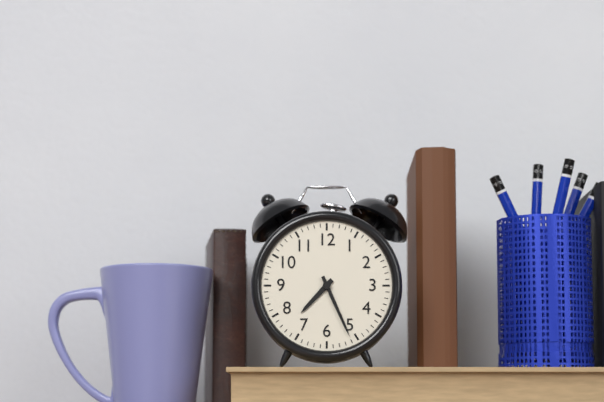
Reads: 7 h 26 min
